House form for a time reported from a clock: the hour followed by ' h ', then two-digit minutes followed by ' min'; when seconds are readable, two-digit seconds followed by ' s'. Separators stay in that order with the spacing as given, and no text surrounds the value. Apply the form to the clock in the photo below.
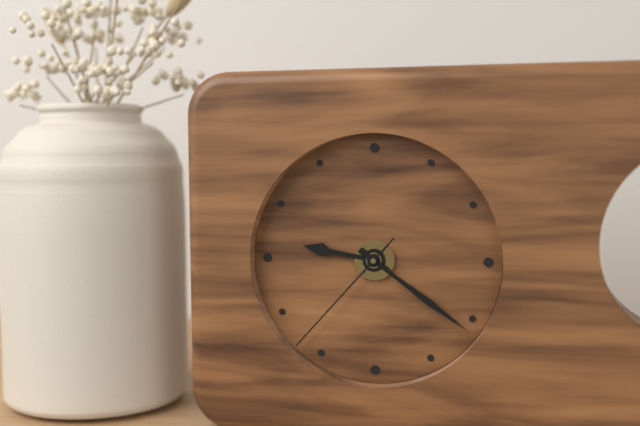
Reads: 9 h 21 min 37 s
